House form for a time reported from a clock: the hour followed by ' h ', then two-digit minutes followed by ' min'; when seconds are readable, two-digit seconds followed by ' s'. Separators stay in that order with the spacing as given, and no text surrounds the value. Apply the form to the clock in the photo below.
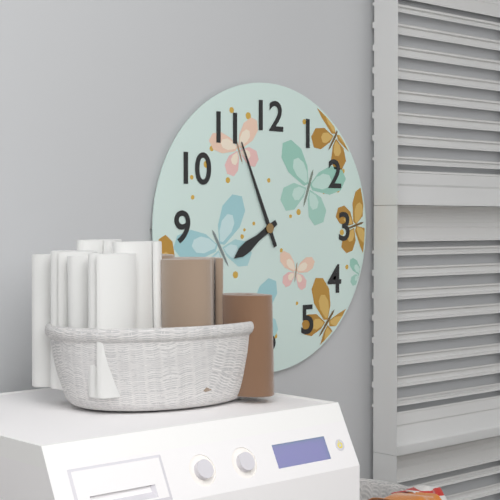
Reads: 7 h 56 min
